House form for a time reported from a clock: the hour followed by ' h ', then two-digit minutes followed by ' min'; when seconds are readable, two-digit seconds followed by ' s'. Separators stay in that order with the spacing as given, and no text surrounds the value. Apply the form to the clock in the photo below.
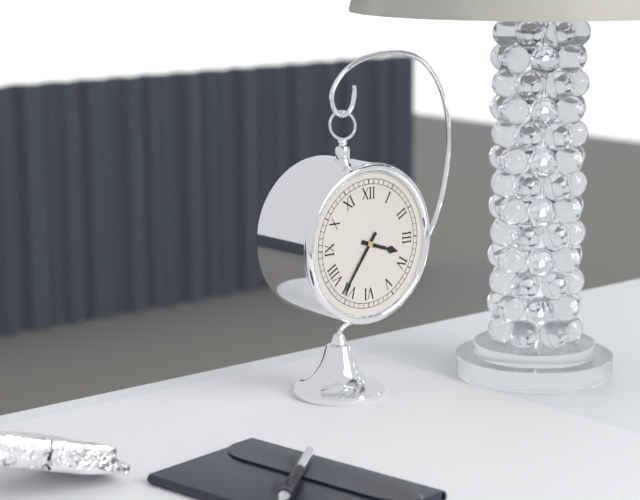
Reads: 3 h 36 min
